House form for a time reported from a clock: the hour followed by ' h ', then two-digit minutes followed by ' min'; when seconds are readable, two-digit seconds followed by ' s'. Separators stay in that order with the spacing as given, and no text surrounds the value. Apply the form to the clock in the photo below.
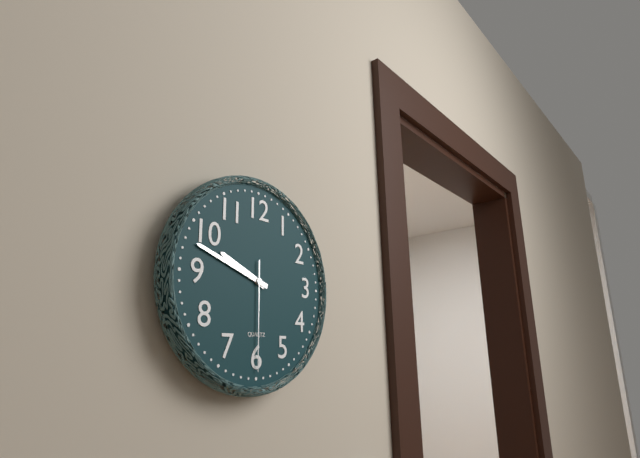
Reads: 9 h 48 min 30 s
